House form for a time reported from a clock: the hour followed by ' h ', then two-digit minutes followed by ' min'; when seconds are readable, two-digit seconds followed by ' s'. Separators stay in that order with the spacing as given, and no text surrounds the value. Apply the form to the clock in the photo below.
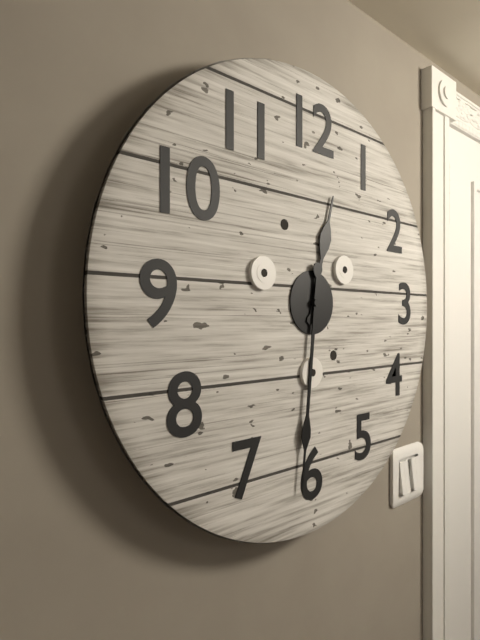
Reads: 12 h 31 min
